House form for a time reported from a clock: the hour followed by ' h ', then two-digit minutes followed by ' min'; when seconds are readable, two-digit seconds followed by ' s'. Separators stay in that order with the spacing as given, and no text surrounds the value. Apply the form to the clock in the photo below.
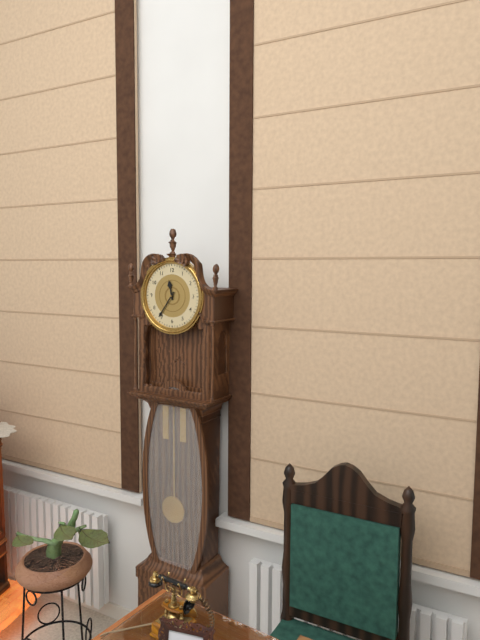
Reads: 11 h 36 min
